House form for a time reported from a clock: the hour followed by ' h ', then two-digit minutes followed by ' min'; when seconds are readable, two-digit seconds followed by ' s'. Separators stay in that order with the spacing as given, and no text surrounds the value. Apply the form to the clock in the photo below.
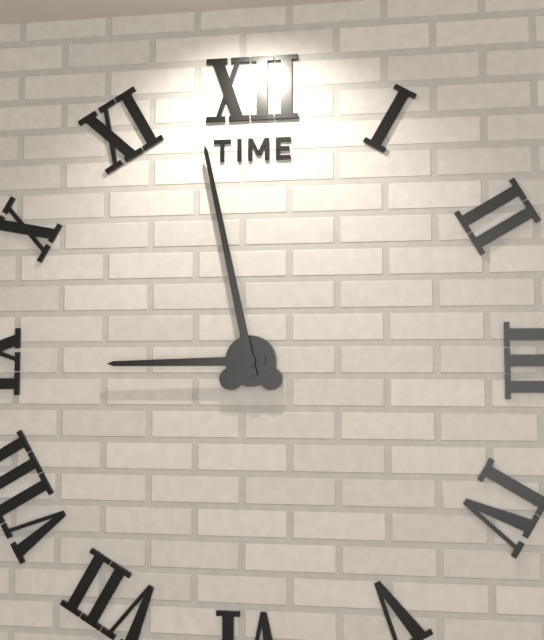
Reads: 8 h 58 min
